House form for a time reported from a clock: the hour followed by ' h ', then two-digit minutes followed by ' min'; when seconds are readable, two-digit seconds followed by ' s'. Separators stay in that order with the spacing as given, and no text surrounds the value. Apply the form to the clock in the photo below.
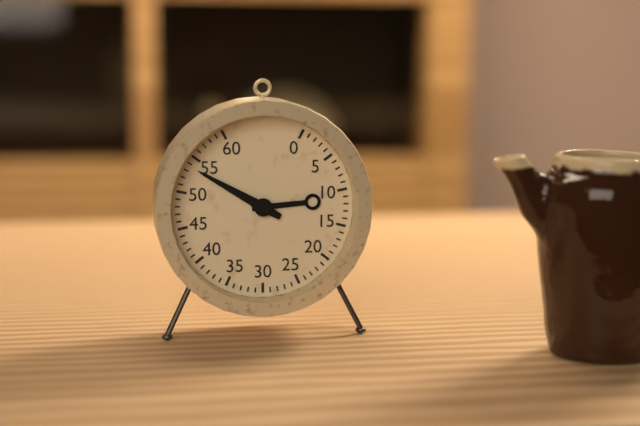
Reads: 2 h 50 min
